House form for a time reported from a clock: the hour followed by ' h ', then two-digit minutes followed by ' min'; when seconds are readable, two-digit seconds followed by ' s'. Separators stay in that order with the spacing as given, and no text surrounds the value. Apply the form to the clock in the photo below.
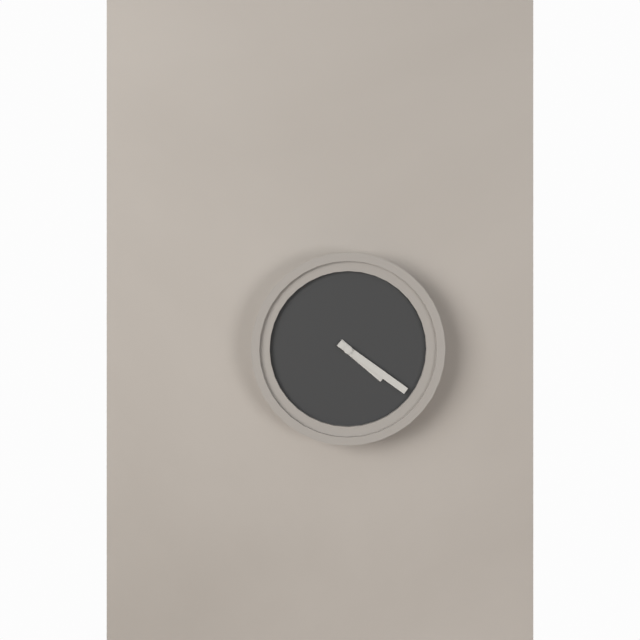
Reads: 4 h 21 min
